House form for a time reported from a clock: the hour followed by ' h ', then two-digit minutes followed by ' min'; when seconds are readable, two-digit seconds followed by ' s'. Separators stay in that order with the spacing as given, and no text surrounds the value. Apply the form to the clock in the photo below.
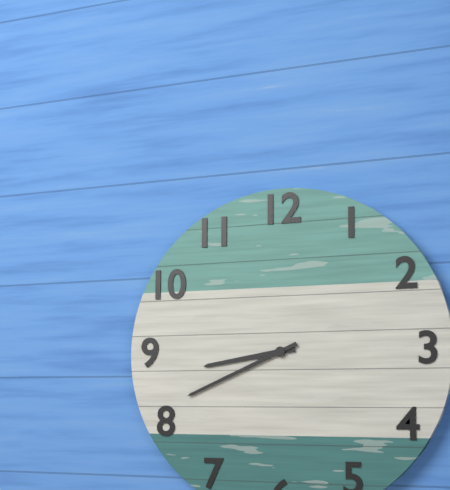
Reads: 8 h 41 min
